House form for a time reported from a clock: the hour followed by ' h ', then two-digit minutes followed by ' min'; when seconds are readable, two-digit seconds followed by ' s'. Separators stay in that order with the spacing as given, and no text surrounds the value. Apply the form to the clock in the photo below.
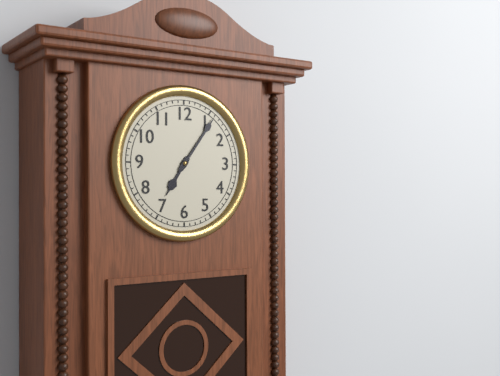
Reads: 7 h 06 min
